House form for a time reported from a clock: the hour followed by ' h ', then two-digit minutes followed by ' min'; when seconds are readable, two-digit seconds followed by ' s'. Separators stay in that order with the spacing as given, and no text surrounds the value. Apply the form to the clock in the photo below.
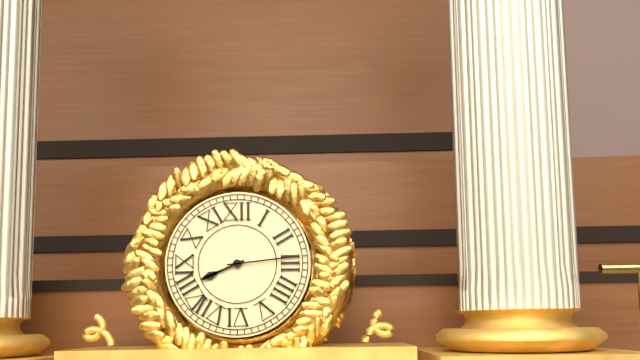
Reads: 8 h 14 min
